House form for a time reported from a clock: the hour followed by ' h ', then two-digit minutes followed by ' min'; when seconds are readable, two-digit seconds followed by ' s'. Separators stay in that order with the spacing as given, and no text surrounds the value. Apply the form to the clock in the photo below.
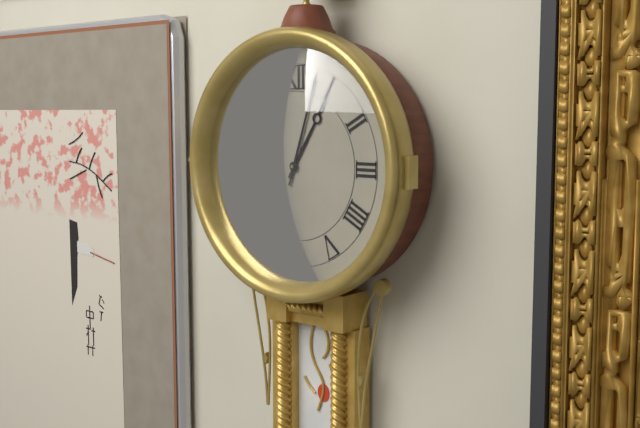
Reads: 1 h 03 min
